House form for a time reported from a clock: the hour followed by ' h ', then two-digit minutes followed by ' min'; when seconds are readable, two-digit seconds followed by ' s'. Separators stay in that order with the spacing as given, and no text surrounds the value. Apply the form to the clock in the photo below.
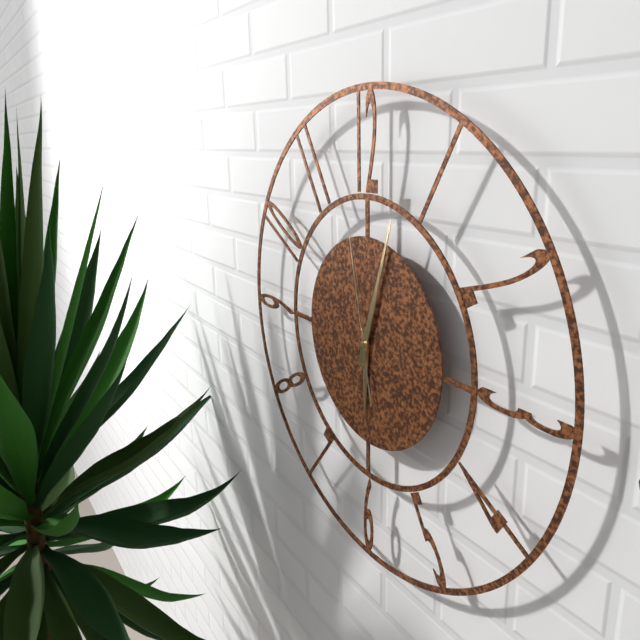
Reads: 6 h 03 min 58 s
